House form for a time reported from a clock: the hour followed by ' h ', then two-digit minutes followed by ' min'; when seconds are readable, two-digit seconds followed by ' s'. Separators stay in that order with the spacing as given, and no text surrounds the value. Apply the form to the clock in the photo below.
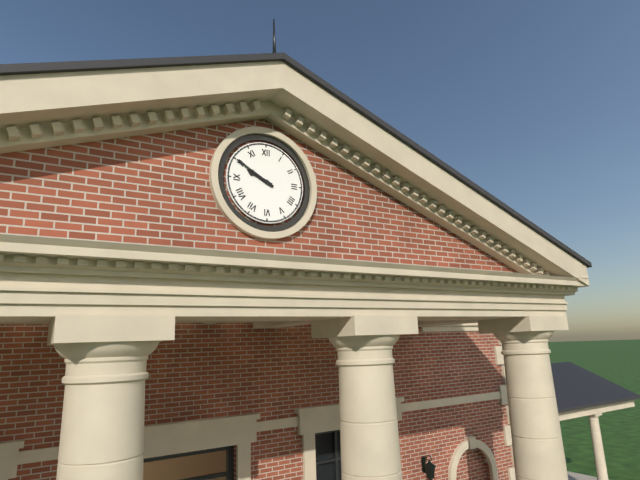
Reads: 9 h 50 min
